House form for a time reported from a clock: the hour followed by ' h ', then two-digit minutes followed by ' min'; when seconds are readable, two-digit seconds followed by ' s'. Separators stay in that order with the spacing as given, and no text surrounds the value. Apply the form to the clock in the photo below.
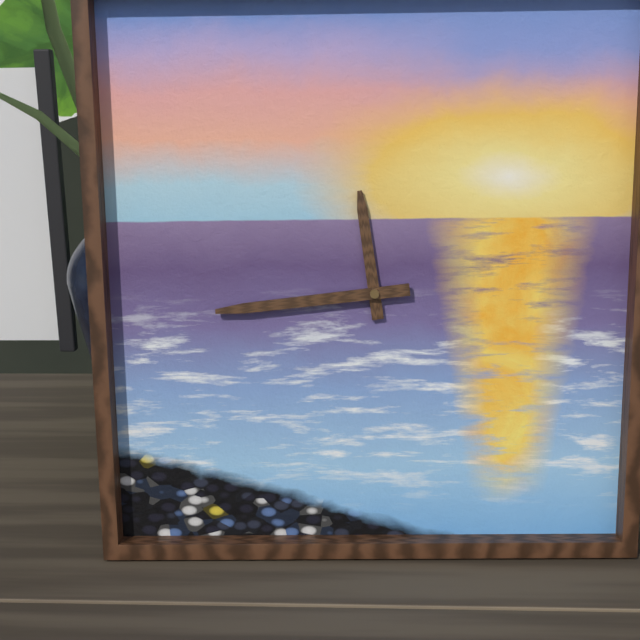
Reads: 11 h 44 min
